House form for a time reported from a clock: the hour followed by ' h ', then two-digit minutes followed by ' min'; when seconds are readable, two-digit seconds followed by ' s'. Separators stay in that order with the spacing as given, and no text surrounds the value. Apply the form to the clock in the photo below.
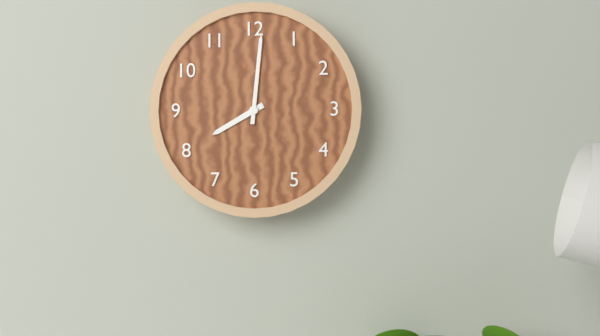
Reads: 8 h 01 min
